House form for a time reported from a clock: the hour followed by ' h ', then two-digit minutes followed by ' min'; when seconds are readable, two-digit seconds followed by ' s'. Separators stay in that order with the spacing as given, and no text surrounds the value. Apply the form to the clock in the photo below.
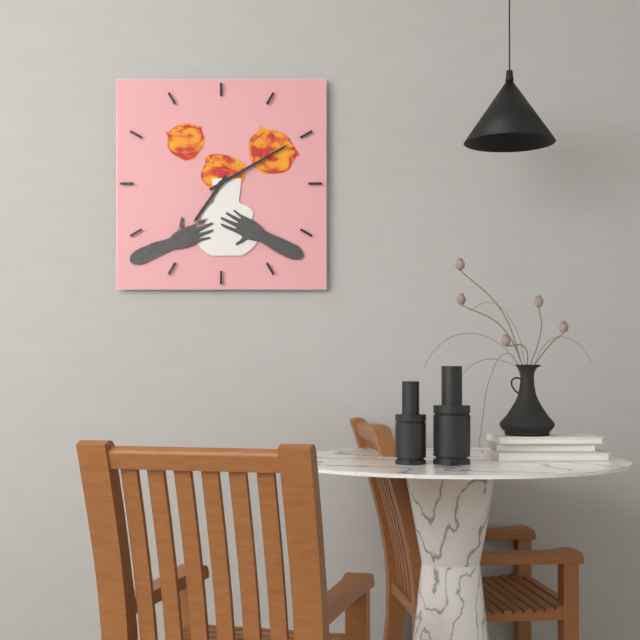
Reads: 7 h 10 min
